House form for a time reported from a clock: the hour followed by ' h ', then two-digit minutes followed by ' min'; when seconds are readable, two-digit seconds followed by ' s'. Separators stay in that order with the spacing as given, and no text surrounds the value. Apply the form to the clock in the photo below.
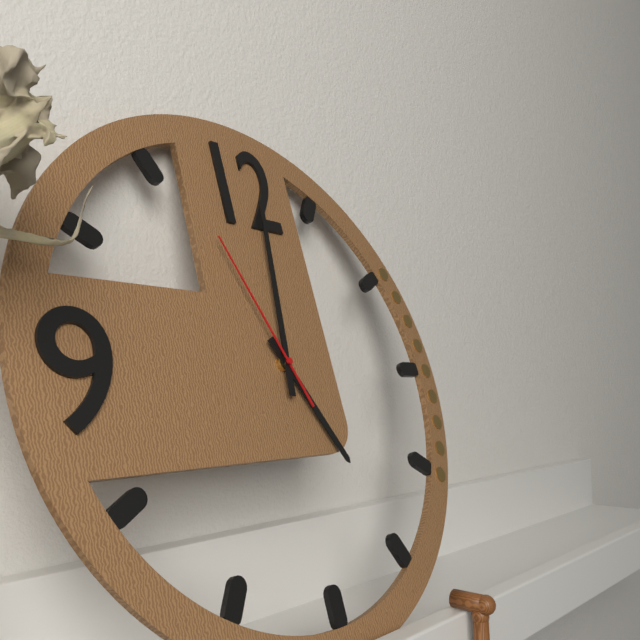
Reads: 5 h 01 min 56 s
